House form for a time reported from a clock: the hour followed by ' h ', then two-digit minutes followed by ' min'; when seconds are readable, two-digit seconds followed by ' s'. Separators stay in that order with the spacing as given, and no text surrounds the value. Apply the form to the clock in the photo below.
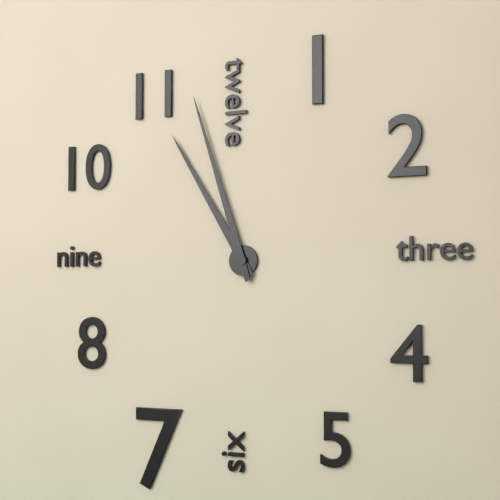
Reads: 10 h 57 min
